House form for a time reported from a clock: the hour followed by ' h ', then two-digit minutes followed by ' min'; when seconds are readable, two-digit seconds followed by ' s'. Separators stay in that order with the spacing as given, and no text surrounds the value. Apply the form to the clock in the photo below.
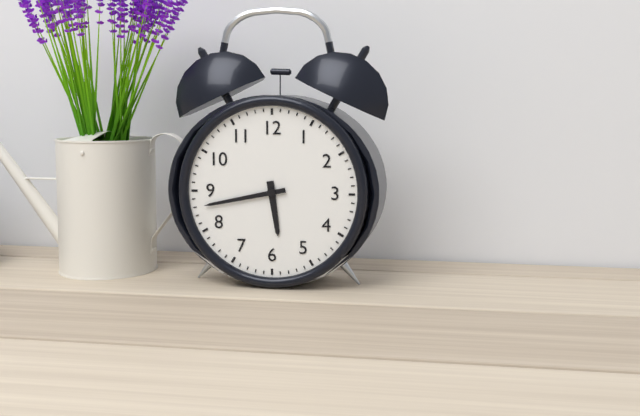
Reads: 5 h 43 min
